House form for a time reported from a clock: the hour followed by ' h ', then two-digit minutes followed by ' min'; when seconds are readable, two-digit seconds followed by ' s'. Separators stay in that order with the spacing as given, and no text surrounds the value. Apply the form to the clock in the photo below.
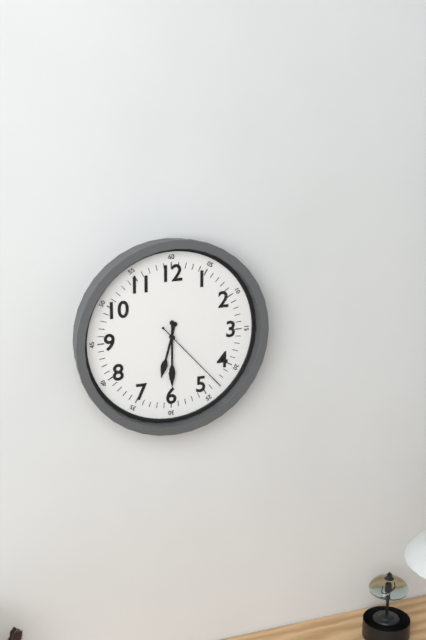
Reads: 6 h 30 min 23 s
